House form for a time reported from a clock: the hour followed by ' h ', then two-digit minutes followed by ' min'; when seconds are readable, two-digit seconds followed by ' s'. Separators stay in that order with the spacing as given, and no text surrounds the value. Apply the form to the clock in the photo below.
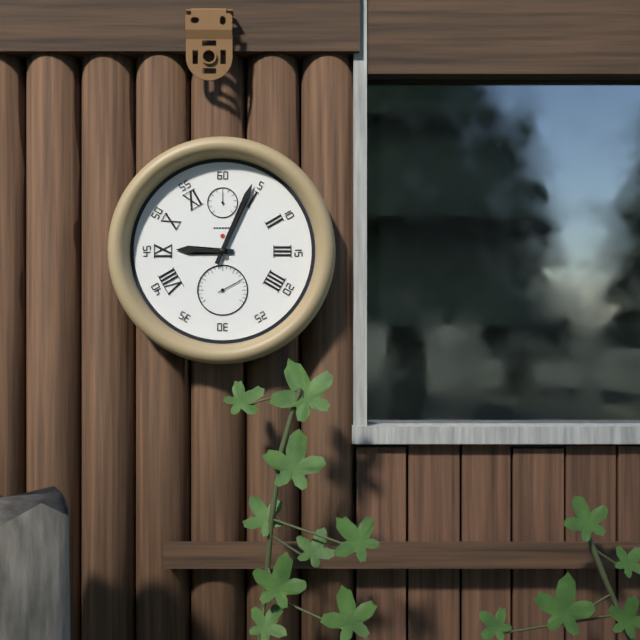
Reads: 9 h 04 min
